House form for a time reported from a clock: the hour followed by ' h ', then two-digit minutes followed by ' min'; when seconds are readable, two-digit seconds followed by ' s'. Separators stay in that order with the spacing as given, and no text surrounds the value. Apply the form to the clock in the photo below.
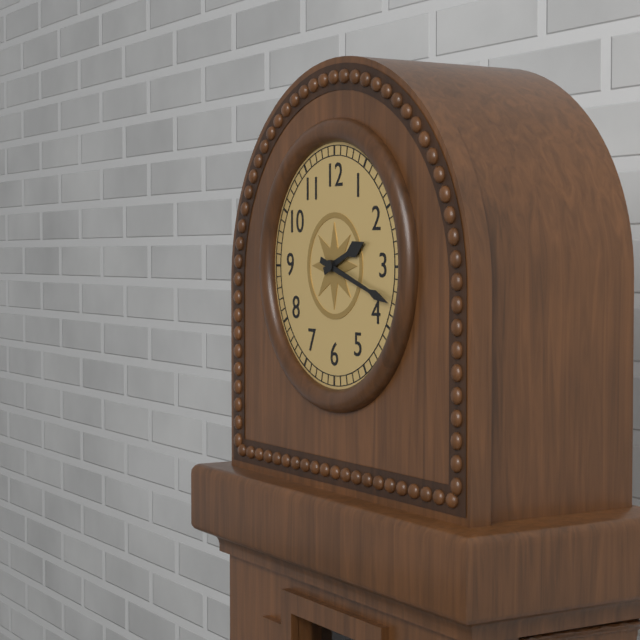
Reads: 2 h 18 min
